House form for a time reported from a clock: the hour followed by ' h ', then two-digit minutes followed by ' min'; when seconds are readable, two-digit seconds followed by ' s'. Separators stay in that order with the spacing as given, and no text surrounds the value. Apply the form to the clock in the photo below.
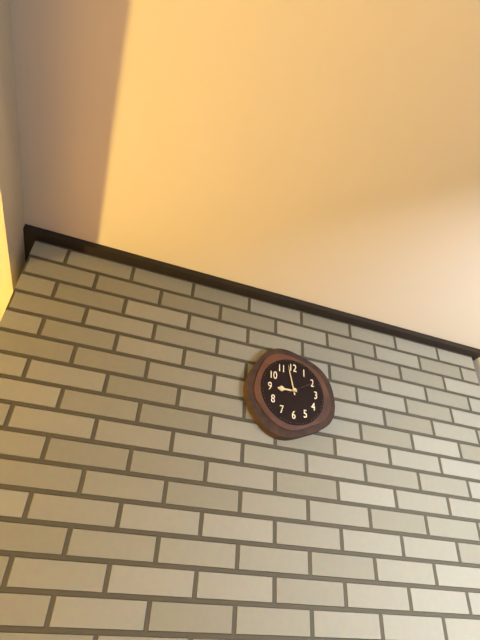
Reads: 8 h 58 min
